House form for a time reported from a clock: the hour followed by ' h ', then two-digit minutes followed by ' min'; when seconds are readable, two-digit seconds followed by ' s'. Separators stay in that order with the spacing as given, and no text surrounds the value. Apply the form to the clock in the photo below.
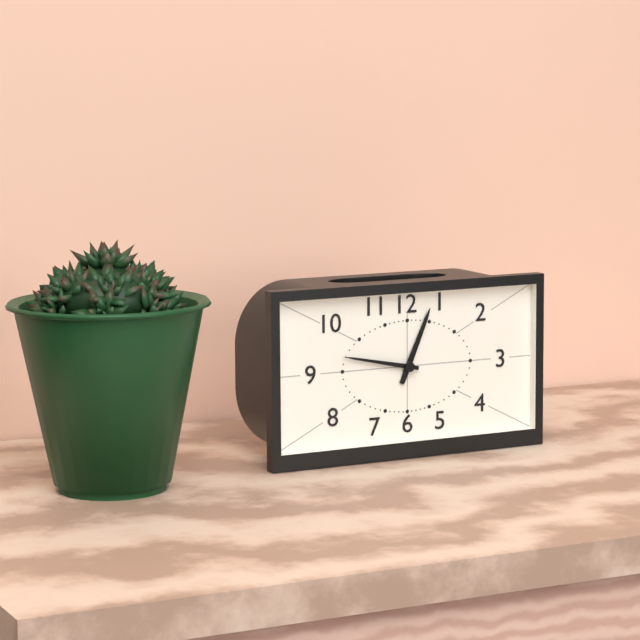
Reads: 12 h 47 min
